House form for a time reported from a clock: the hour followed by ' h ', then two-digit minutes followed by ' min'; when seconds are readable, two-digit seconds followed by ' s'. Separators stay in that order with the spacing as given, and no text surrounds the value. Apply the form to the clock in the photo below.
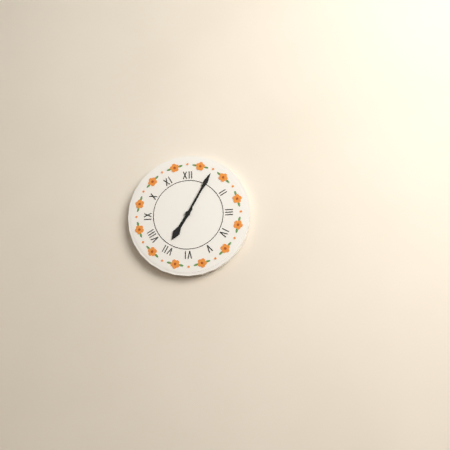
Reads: 7 h 05 min
